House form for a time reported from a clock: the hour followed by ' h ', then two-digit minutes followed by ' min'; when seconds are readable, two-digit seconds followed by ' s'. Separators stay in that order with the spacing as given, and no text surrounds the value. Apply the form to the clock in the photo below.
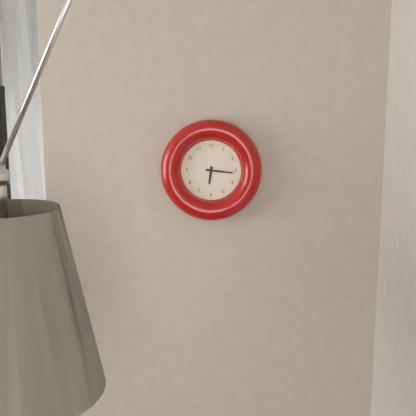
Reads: 6 h 16 min
